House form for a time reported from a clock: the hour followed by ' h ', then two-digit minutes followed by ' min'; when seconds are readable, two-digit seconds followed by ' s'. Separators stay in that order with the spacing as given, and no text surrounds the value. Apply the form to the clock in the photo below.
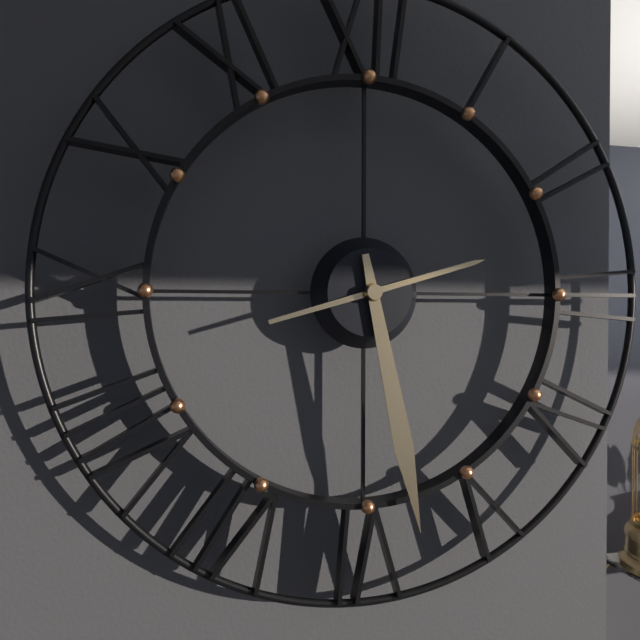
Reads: 2 h 28 min
